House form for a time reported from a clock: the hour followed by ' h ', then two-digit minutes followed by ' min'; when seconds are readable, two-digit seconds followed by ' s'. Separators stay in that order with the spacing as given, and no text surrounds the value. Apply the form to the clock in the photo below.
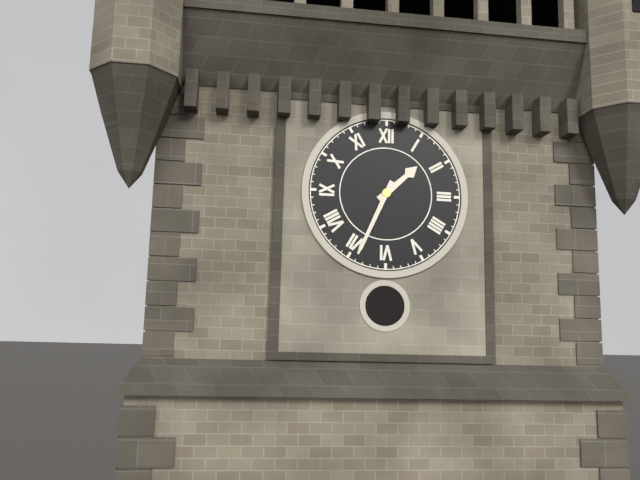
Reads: 1 h 34 min
